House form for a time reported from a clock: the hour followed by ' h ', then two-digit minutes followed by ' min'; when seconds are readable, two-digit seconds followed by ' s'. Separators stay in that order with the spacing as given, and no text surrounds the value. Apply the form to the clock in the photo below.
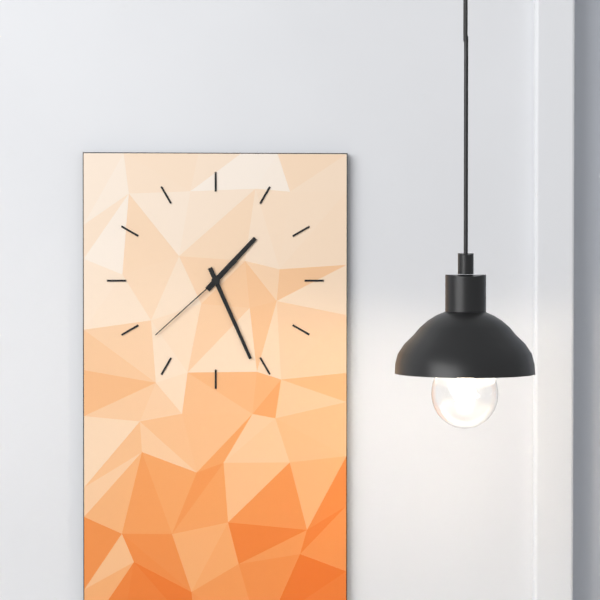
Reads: 1 h 26 min 38 s
